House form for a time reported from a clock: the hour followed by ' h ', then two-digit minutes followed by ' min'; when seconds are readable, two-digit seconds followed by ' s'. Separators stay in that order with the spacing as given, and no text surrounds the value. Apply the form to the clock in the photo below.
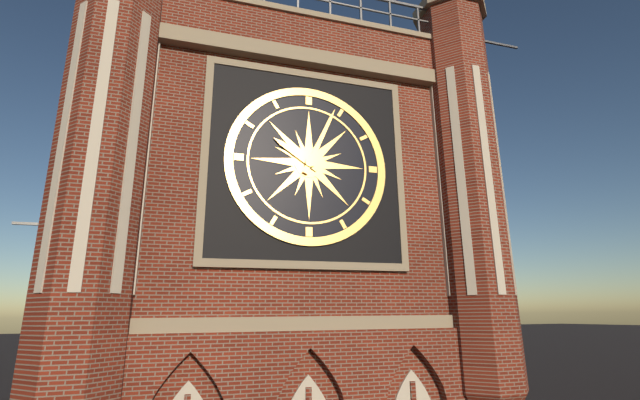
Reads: 10 h 04 min
